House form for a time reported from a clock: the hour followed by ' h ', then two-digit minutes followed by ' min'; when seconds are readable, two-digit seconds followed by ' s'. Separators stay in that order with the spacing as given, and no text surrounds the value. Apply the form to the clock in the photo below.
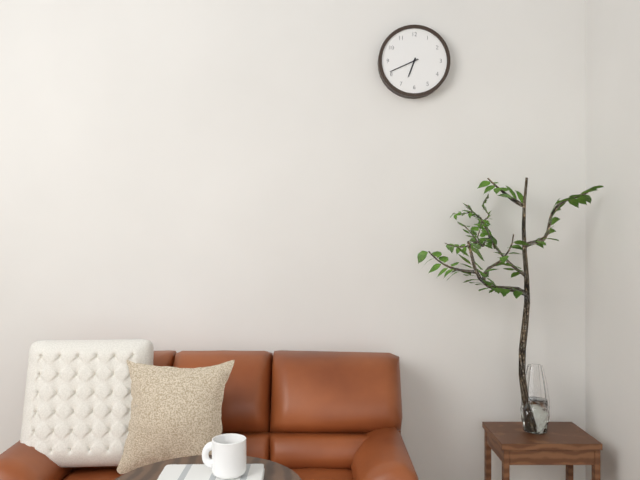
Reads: 6 h 41 min
